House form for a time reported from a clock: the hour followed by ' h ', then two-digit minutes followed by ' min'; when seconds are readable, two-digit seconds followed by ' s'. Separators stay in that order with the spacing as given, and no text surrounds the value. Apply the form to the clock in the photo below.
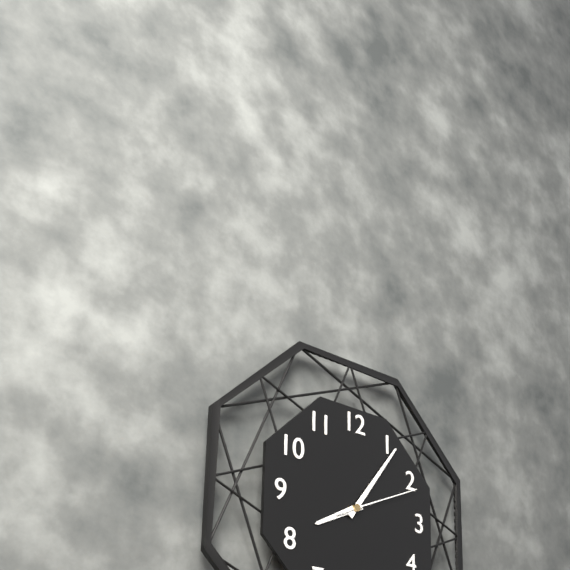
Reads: 8 h 06 min 11 s
